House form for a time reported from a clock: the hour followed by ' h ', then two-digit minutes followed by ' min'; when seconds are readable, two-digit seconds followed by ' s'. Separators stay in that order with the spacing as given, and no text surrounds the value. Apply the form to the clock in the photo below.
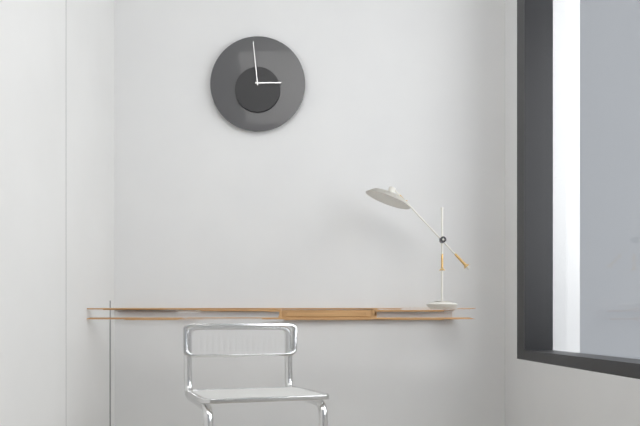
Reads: 2 h 59 min
